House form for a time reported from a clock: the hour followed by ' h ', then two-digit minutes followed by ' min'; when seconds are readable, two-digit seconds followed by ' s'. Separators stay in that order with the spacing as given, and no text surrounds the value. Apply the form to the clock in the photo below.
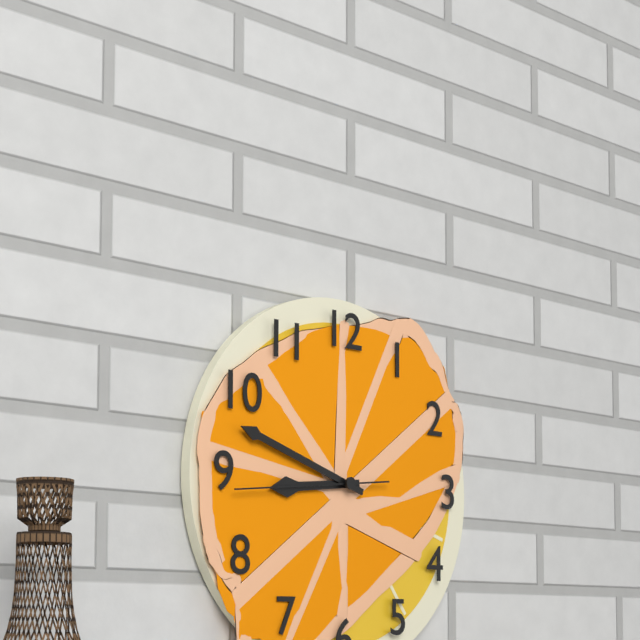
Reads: 8 h 48 min 44 s
